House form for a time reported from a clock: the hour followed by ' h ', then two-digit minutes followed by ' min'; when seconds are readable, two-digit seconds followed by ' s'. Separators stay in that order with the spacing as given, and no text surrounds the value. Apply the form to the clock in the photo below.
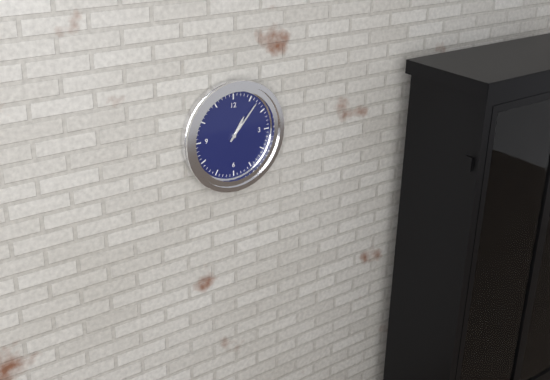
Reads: 1 h 07 min
